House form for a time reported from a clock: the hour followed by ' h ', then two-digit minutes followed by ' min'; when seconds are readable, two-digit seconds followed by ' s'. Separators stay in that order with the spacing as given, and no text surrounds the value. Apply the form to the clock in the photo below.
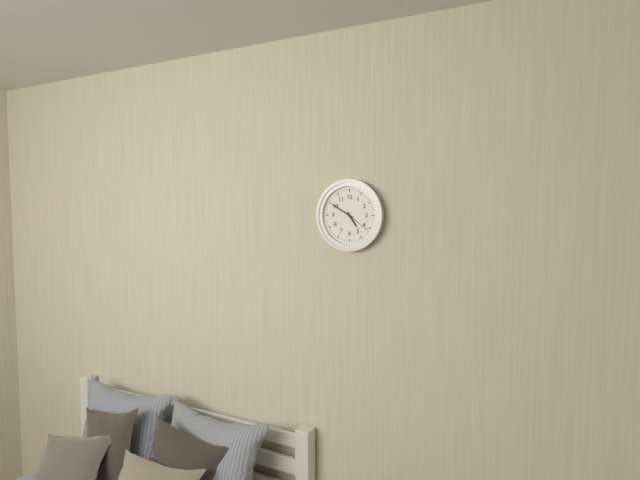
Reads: 4 h 50 min
